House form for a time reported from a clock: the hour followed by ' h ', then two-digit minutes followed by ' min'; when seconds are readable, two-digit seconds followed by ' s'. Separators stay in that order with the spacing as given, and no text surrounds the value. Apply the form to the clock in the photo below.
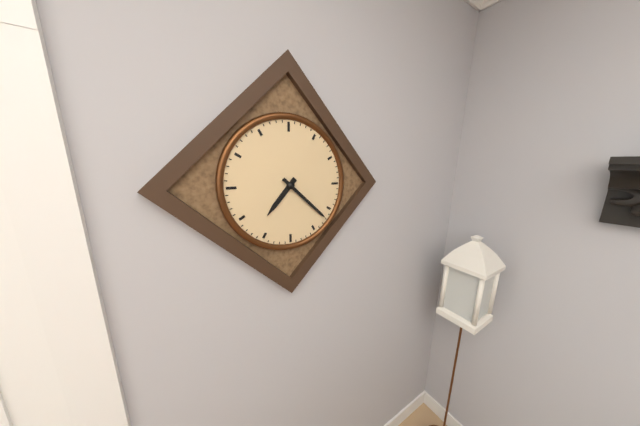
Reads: 7 h 22 min
